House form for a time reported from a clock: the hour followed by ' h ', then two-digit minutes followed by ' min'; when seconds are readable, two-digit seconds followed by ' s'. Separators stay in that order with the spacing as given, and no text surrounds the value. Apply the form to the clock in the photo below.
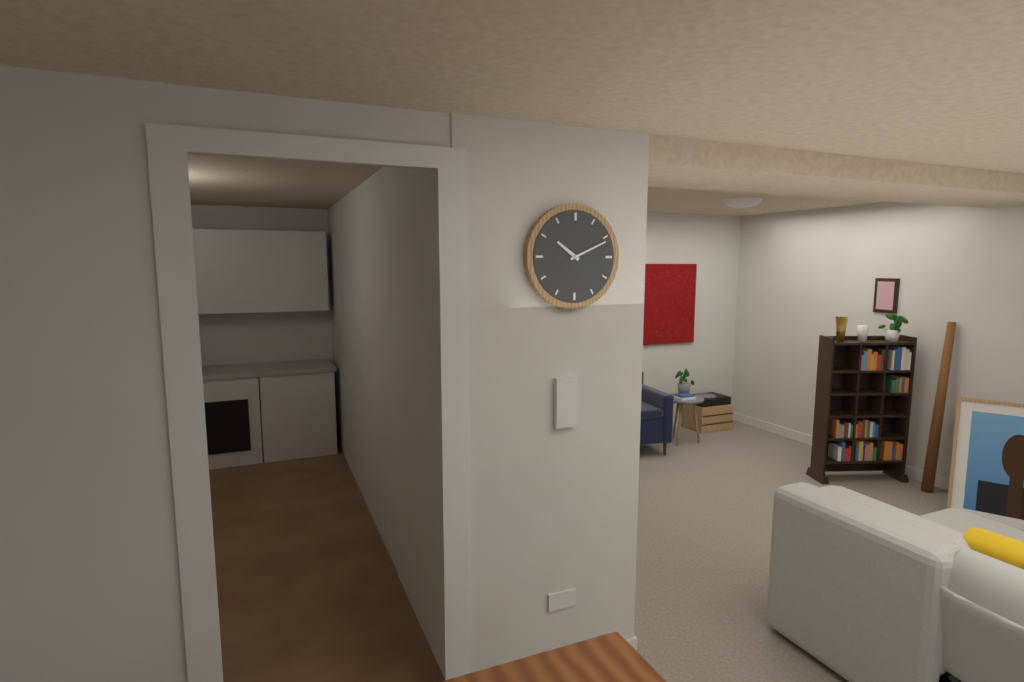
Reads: 10 h 11 min
